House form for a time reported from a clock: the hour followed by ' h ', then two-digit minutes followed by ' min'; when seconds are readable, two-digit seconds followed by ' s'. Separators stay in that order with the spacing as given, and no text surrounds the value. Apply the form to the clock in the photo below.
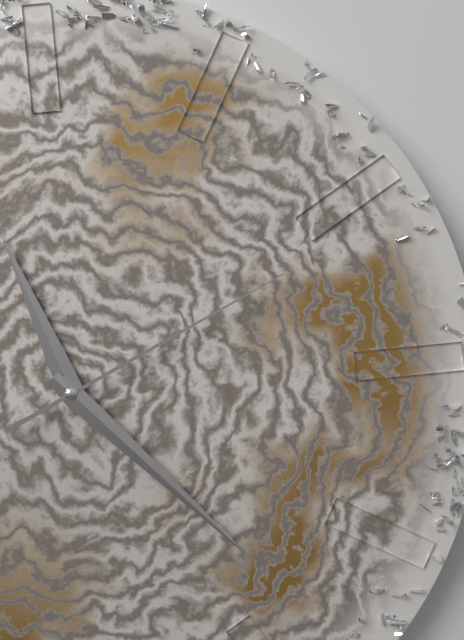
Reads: 11 h 23 min 11 s
